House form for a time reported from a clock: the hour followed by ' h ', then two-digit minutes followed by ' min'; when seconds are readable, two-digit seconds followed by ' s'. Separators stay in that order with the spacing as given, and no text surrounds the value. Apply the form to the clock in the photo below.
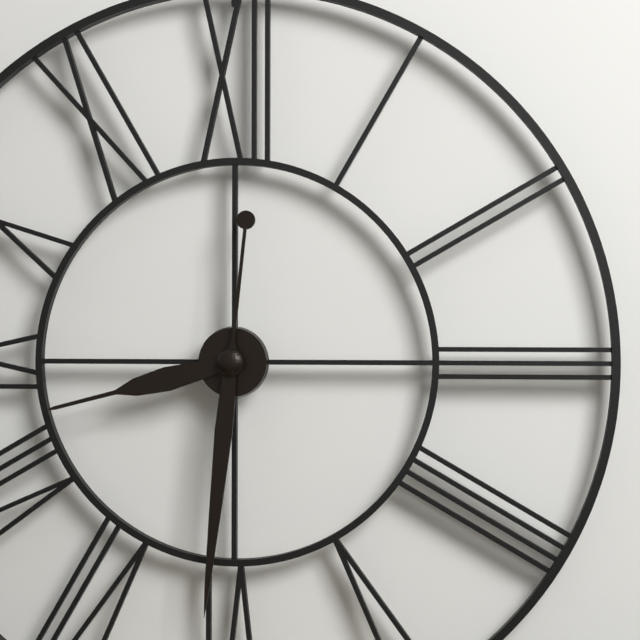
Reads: 8 h 31 min
